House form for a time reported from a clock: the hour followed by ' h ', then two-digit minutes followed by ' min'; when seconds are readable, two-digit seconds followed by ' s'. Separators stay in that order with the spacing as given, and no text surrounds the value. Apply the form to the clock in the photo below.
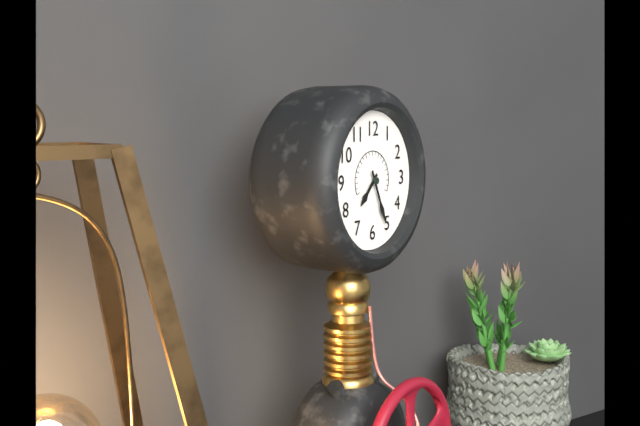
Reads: 7 h 26 min
